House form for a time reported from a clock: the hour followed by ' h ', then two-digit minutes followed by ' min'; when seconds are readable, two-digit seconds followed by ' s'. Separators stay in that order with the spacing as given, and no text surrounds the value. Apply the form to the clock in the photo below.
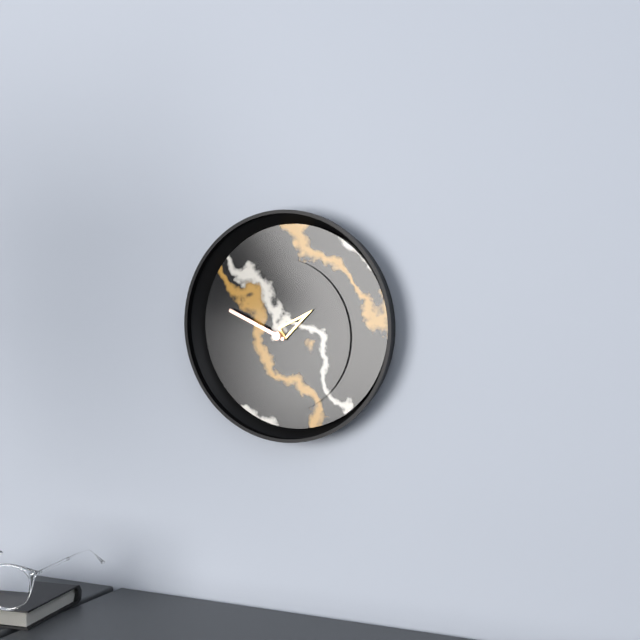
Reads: 1 h 49 min
